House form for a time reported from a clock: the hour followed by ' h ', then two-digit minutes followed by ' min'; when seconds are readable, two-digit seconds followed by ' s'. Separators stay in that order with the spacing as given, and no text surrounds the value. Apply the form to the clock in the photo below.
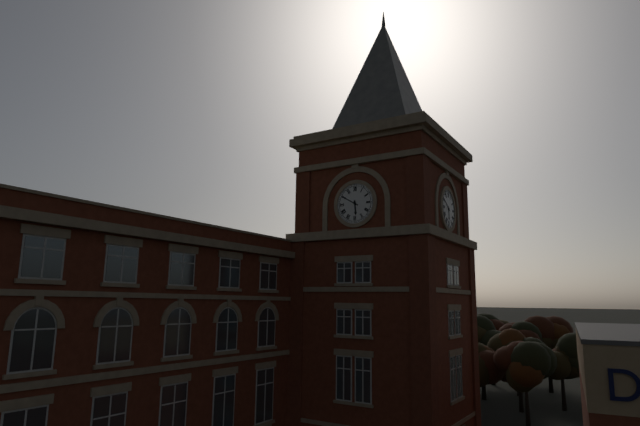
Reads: 5 h 50 min
